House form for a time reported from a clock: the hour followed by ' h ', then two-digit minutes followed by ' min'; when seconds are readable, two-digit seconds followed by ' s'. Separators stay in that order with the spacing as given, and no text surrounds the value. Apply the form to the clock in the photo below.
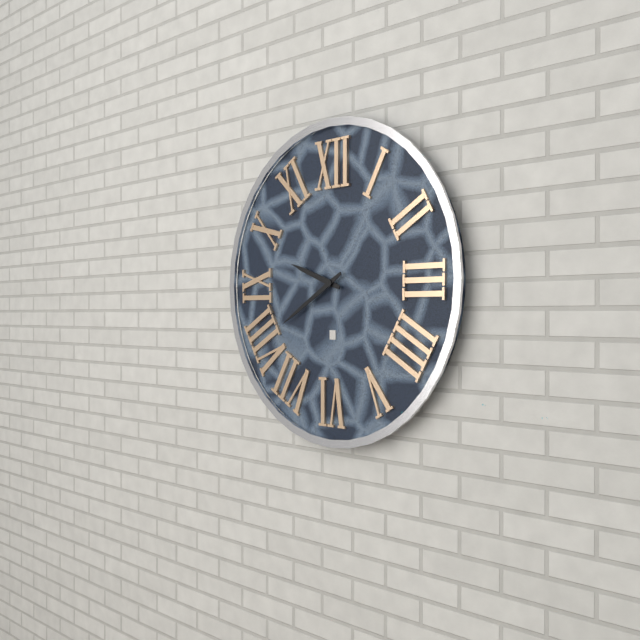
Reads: 9 h 40 min
